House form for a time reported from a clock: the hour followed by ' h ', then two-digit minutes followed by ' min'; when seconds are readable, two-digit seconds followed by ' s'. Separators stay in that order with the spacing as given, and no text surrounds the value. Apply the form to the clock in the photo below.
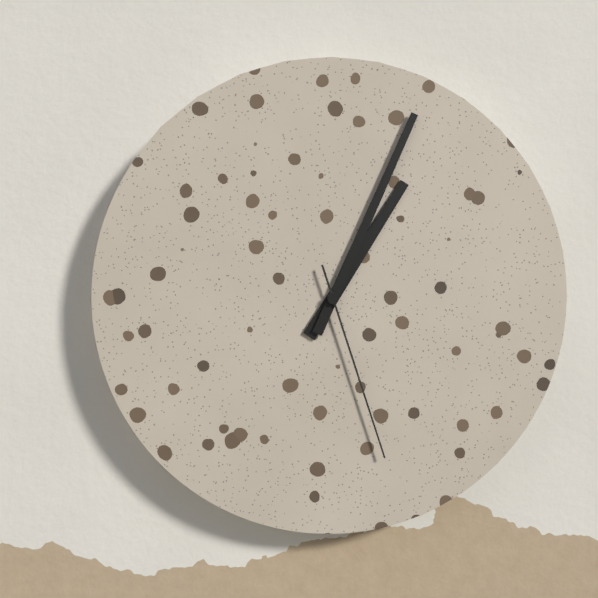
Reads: 1 h 04 min 27 s
